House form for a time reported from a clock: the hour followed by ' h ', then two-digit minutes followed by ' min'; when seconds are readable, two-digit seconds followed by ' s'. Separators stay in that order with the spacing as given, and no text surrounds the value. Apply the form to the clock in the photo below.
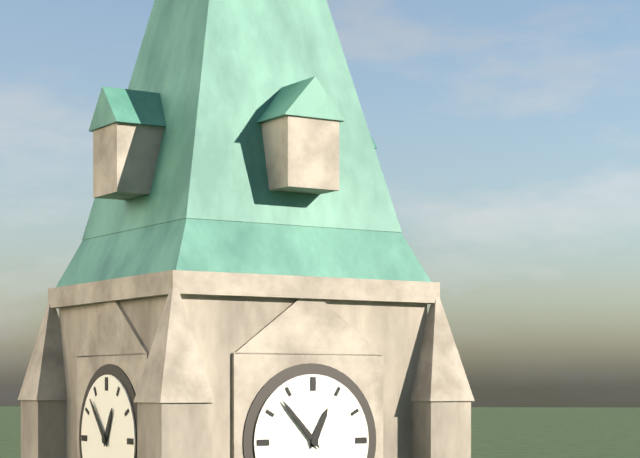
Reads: 12 h 53 min
